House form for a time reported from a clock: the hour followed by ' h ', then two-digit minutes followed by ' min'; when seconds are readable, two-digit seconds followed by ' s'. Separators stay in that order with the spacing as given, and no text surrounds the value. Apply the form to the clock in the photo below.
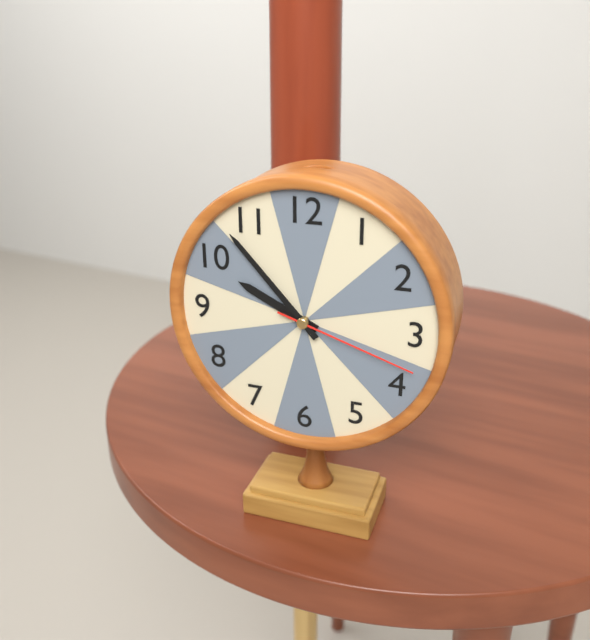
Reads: 9 h 53 min 18 s
